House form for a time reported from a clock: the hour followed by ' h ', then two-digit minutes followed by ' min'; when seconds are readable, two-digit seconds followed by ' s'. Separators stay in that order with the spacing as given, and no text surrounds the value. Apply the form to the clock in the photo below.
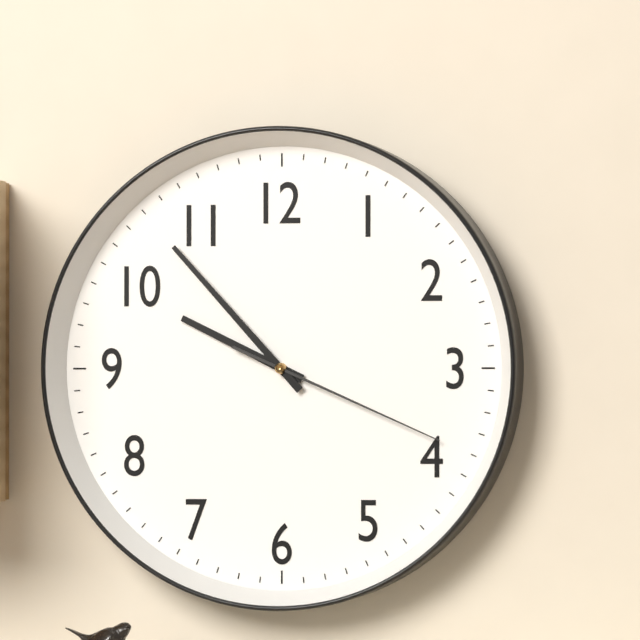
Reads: 9 h 53 min 19 s
